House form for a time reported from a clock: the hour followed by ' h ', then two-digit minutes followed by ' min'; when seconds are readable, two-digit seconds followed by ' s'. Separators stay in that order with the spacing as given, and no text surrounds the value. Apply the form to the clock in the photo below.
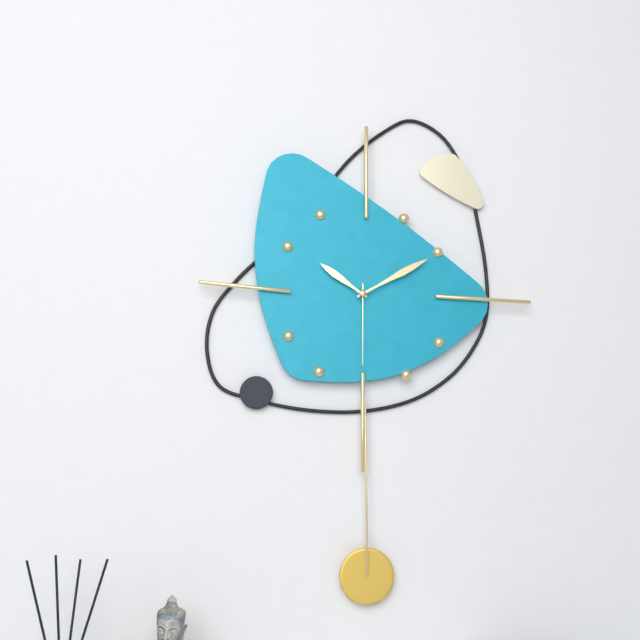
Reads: 10 h 10 min 30 s
